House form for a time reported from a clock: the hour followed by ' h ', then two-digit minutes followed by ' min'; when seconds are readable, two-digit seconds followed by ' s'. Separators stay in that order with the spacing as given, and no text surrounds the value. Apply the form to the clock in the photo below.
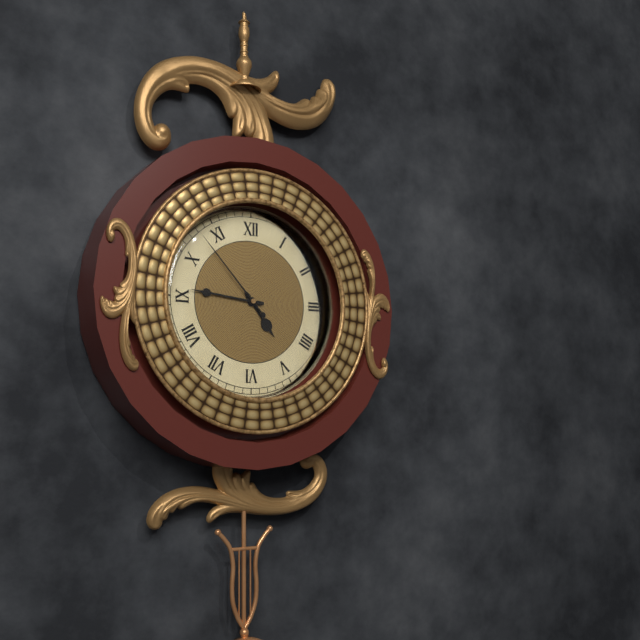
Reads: 4 h 46 min 53 s
